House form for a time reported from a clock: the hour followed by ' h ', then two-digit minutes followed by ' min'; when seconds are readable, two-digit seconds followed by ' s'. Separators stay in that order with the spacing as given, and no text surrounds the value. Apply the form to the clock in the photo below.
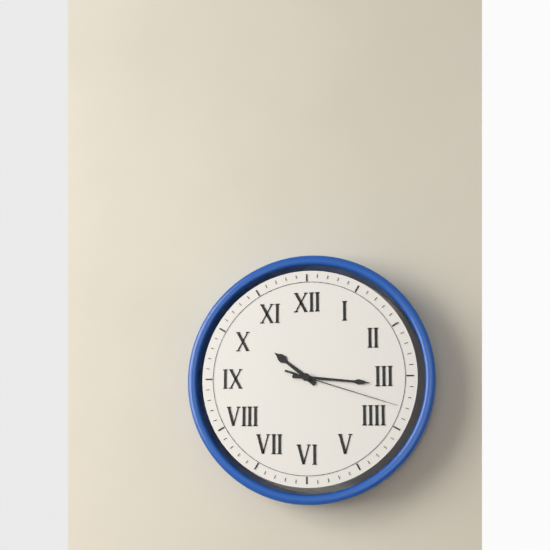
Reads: 10 h 16 min 18 s
